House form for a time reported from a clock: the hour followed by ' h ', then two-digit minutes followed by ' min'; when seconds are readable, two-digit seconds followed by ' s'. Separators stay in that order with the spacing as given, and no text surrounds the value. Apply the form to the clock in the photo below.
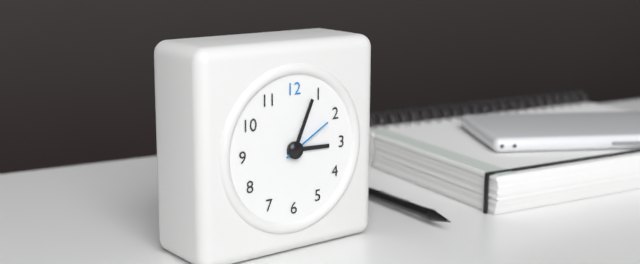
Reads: 3 h 04 min 10 s
